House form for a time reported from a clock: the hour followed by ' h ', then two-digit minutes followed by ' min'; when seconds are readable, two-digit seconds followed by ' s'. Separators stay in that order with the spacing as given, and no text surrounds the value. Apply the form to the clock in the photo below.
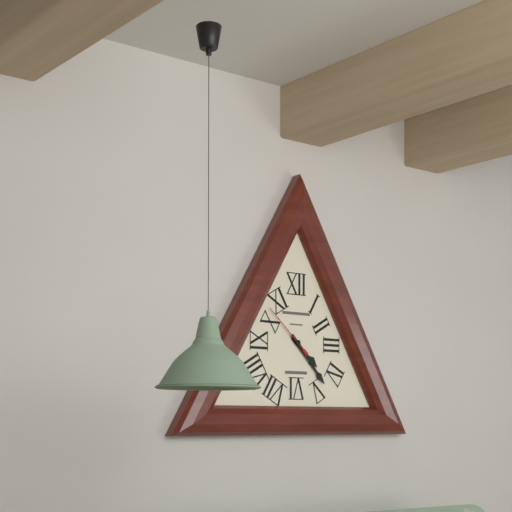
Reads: 4 h 23 min 52 s
